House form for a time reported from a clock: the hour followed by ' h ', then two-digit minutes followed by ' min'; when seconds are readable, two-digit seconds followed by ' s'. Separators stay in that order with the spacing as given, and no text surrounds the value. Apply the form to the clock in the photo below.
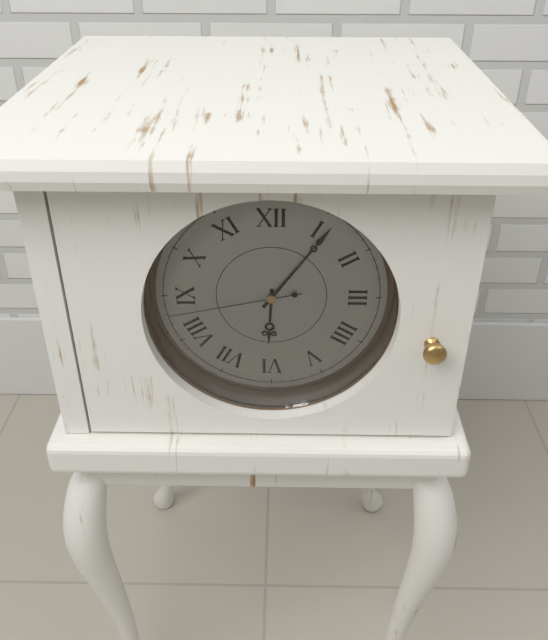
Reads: 6 h 06 min 43 s
